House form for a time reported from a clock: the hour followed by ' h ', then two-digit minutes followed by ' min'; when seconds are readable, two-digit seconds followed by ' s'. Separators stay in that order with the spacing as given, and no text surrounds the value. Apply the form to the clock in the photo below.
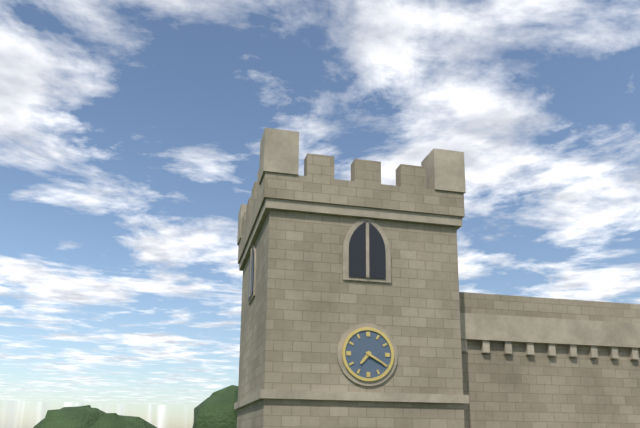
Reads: 7 h 20 min
